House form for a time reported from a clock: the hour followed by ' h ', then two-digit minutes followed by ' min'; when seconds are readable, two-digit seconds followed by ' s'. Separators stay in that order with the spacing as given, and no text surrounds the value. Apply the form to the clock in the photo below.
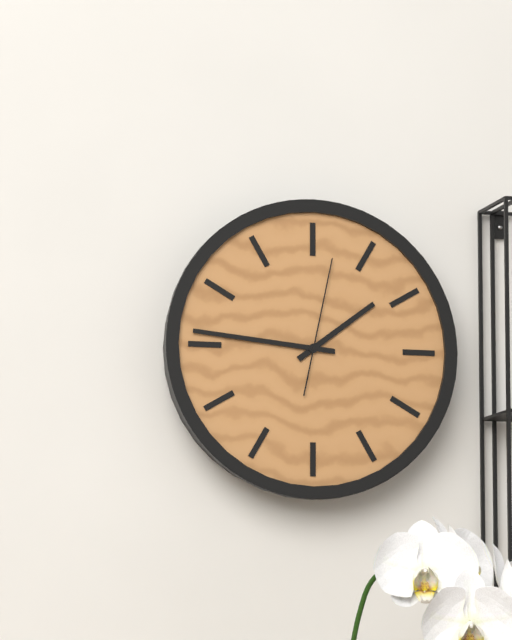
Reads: 1 h 46 min 02 s
